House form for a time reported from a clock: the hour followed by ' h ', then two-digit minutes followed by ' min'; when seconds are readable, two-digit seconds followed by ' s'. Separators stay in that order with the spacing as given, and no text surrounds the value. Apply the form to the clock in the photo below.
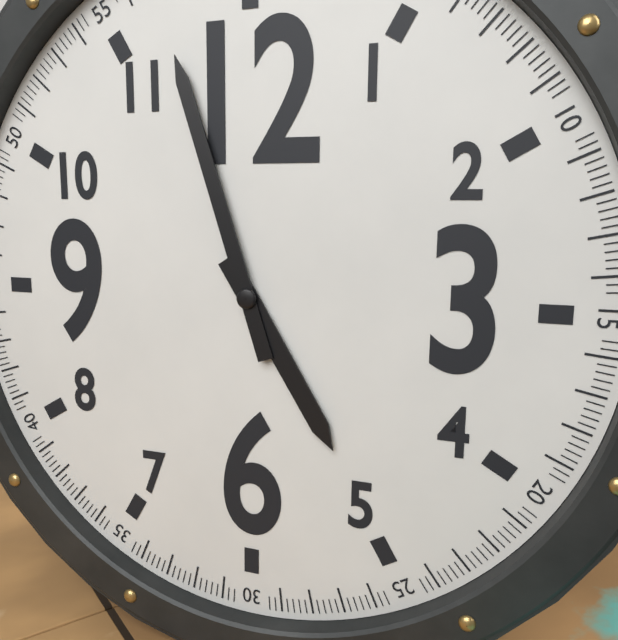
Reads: 4 h 57 min
